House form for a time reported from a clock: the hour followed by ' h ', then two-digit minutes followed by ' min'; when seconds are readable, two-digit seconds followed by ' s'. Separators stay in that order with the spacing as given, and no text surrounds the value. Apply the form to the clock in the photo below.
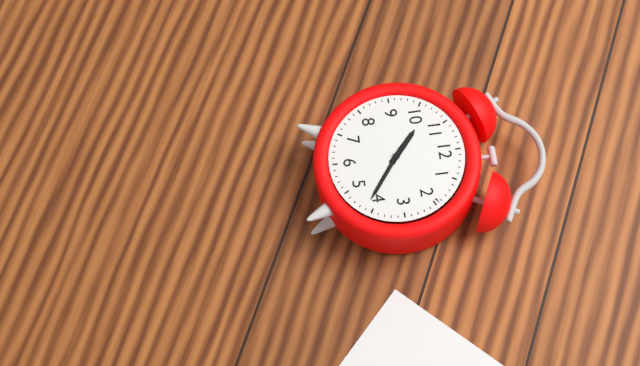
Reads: 10 h 21 min
